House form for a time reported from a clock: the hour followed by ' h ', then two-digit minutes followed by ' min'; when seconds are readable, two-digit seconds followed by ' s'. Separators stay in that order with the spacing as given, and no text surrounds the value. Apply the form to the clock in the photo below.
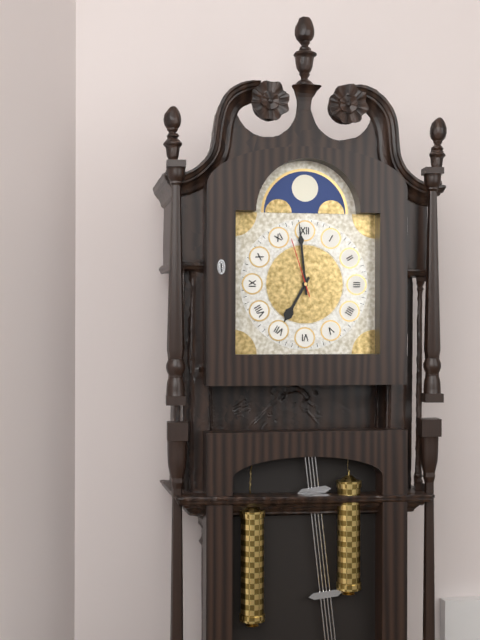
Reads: 6 h 59 min 57 s
